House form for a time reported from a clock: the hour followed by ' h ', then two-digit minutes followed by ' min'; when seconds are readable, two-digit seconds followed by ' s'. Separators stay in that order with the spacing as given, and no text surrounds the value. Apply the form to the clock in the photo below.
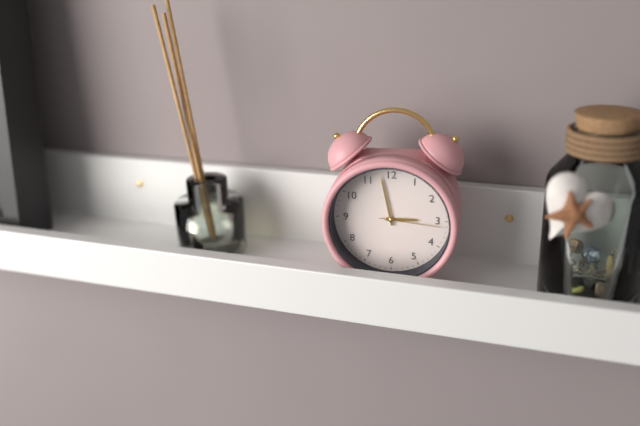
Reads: 2 h 58 min 16 s
